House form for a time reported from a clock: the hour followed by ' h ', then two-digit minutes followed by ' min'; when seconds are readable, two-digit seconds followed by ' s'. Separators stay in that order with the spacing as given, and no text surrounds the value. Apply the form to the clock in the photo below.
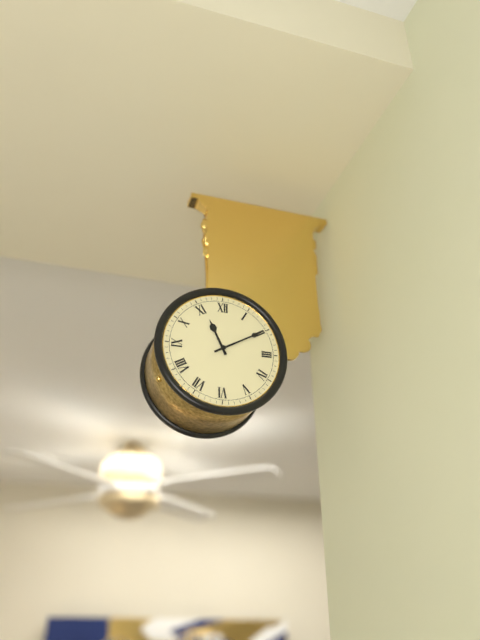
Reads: 11 h 10 min
